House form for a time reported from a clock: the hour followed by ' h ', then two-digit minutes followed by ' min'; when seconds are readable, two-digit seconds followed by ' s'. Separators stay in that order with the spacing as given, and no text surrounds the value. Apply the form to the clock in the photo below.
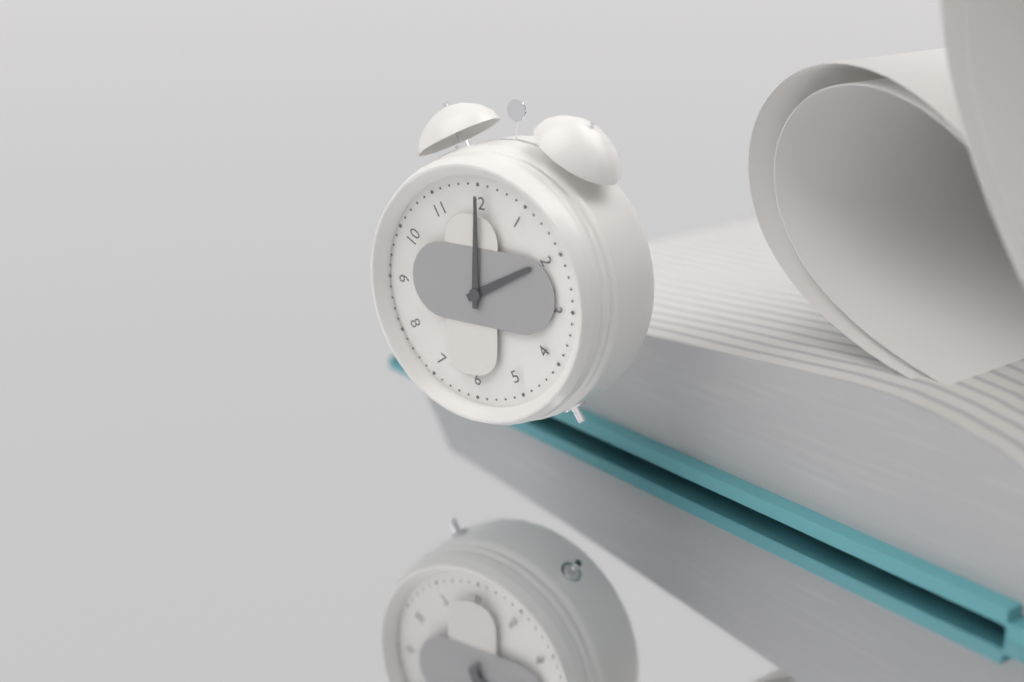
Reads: 2 h 00 min
